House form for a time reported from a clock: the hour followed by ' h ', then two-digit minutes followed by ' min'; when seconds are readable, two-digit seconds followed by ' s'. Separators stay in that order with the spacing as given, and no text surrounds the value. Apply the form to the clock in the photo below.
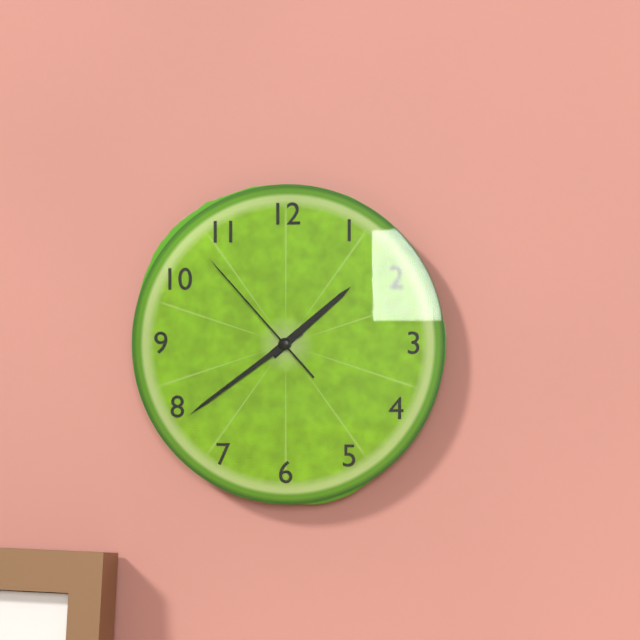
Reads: 1 h 39 min 53 s
